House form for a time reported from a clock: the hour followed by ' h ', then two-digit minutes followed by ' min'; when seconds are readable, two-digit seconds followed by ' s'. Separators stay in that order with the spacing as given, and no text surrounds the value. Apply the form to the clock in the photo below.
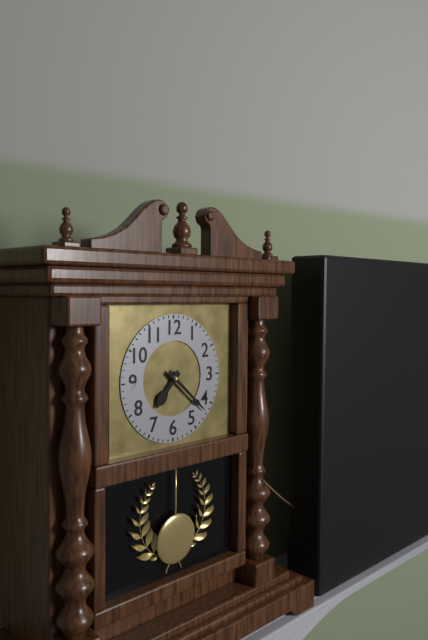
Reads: 7 h 22 min
